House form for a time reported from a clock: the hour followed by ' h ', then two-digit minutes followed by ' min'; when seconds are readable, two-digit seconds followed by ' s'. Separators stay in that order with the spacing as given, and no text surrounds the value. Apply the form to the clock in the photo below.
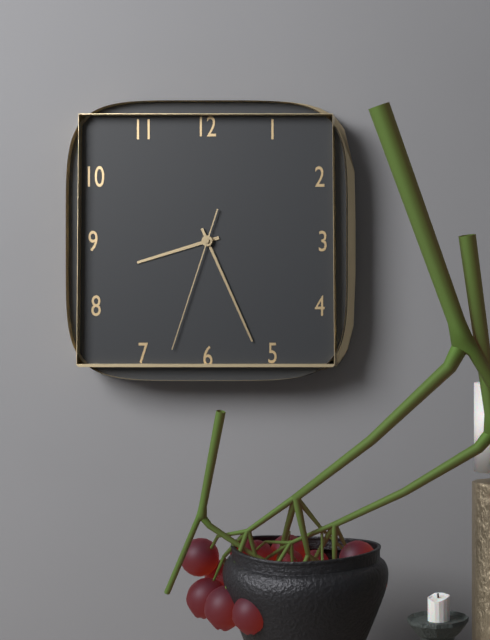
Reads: 8 h 26 min 33 s
